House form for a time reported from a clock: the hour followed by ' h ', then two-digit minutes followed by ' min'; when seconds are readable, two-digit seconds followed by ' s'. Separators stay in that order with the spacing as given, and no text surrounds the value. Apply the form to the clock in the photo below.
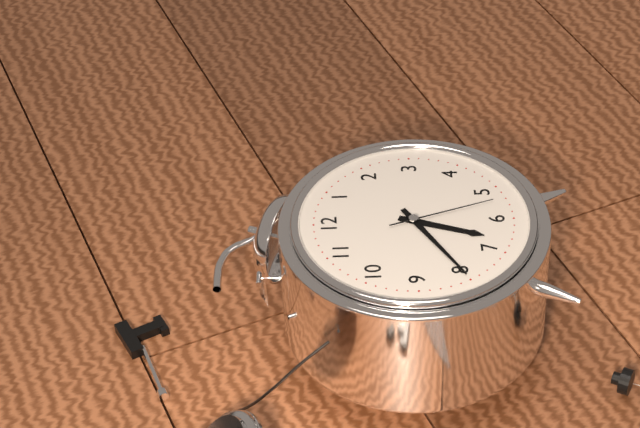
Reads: 6 h 40 min 27 s
